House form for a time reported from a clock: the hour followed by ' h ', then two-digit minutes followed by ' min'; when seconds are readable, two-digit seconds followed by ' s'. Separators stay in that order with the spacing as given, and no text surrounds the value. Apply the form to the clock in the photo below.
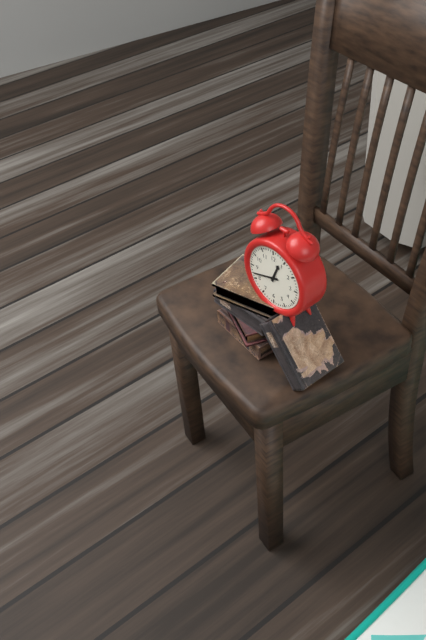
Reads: 12 h 42 min
